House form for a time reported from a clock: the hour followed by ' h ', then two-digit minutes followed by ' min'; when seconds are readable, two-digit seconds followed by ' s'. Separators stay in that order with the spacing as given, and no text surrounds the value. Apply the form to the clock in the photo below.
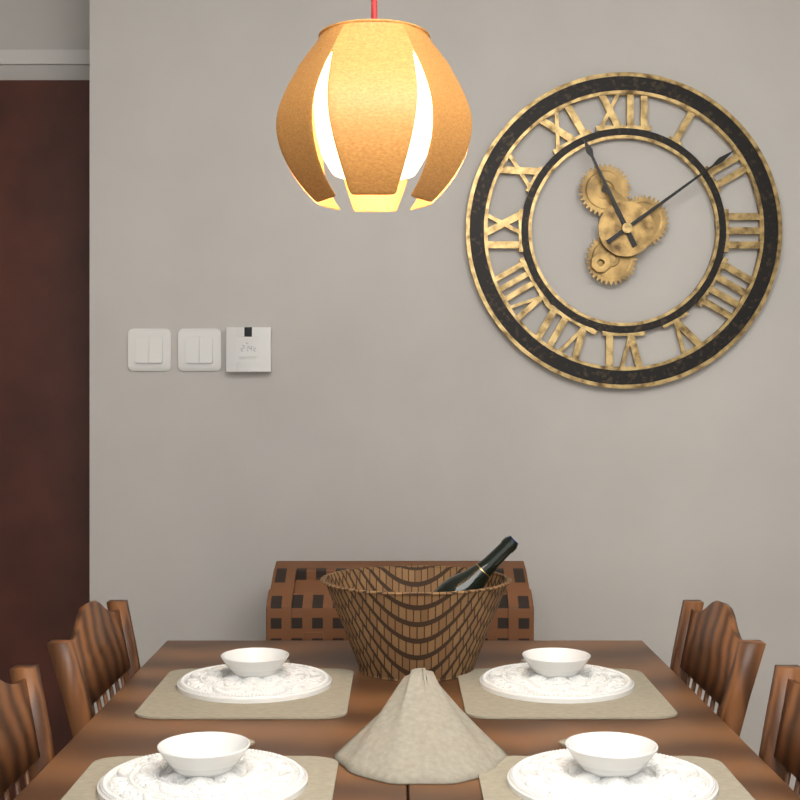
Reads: 11 h 09 min
